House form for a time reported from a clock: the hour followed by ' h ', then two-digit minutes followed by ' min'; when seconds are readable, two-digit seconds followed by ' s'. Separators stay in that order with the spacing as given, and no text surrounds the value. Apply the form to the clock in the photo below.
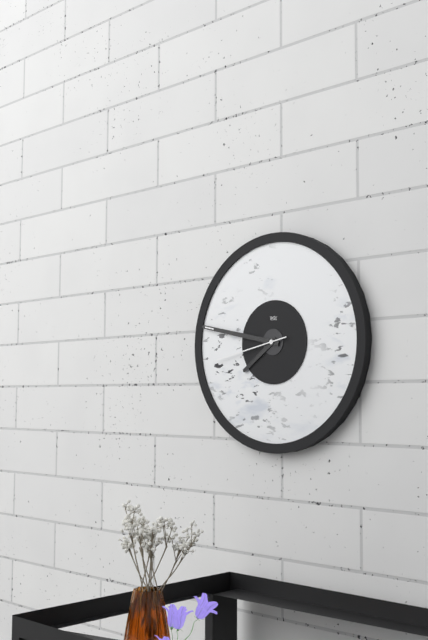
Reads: 7 h 47 min 43 s
